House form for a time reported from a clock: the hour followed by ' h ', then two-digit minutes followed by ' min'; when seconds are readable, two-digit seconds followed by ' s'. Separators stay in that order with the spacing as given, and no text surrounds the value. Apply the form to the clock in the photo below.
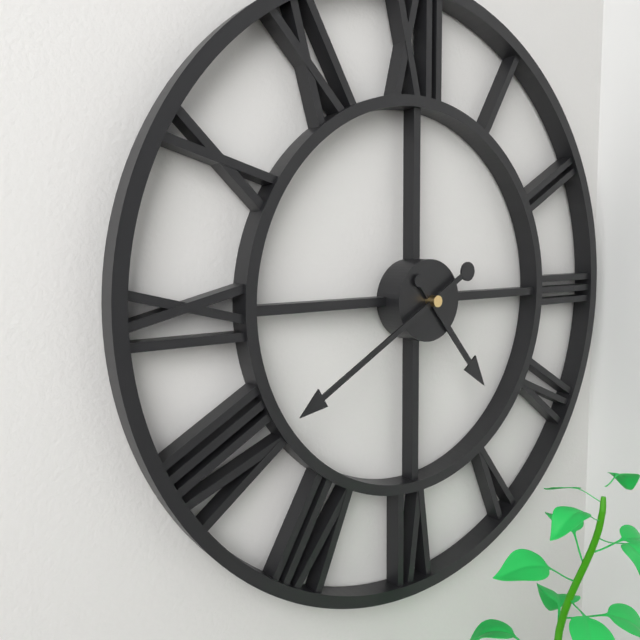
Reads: 4 h 40 min
